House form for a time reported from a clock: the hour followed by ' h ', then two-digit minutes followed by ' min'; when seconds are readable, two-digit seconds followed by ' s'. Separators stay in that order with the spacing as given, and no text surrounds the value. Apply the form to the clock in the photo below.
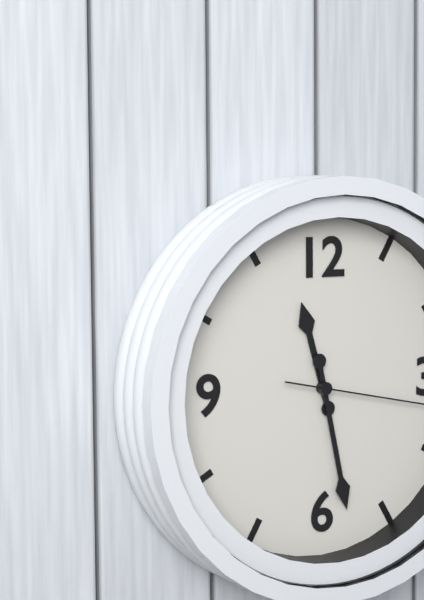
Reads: 11 h 28 min
